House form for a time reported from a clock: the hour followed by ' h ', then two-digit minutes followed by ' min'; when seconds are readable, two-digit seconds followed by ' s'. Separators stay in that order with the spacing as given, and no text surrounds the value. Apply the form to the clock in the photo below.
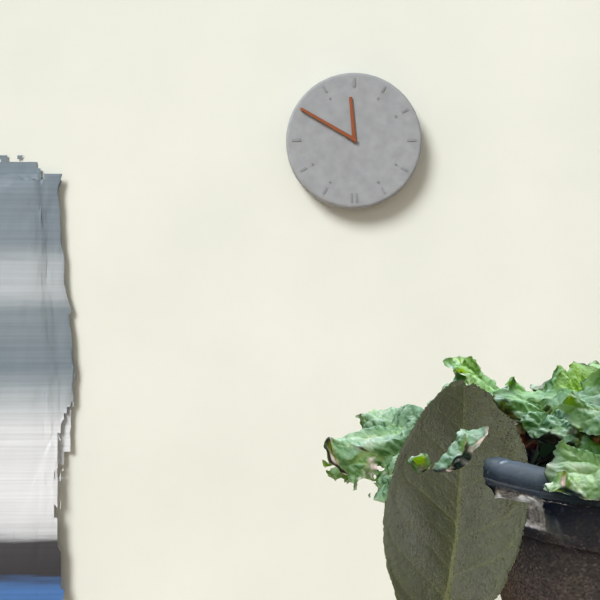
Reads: 11 h 50 min
